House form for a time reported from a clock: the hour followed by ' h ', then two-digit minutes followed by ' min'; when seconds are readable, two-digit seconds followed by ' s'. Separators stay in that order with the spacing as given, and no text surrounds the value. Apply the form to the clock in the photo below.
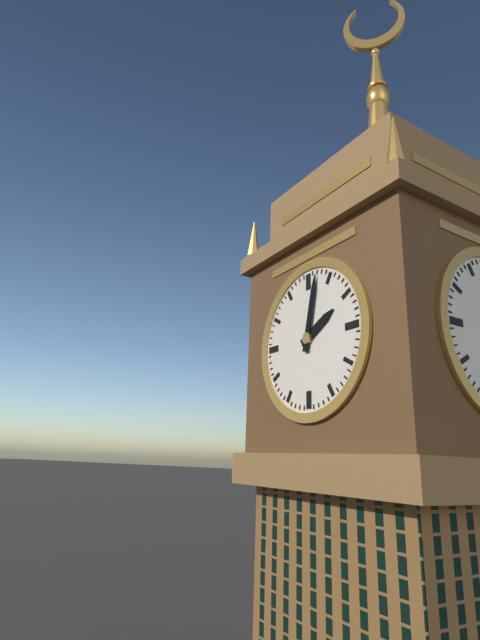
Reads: 2 h 02 min
